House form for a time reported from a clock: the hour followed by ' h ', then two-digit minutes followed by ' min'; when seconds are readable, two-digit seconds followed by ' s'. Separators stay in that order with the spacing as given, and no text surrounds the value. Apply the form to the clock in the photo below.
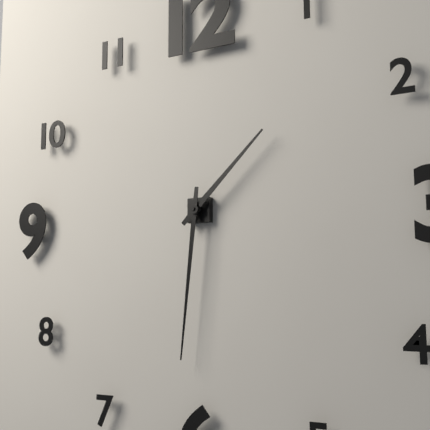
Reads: 1 h 31 min
